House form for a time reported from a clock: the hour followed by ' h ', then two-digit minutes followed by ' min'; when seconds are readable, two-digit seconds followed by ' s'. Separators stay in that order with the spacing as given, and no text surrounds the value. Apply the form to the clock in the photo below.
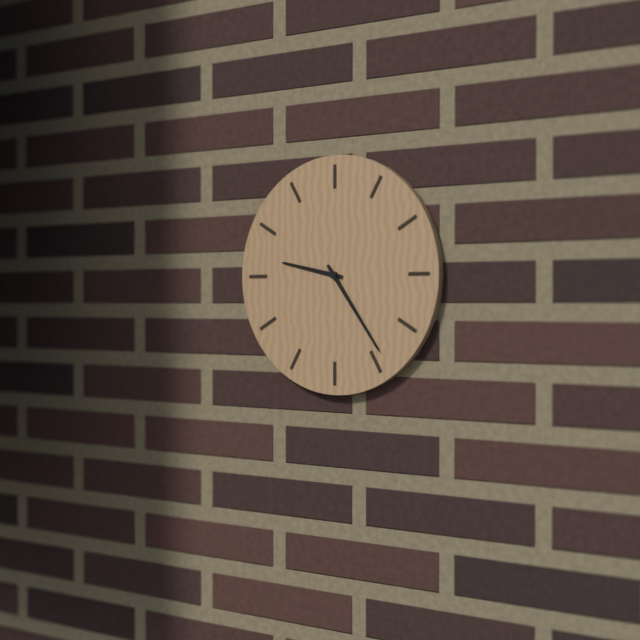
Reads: 9 h 24 min
